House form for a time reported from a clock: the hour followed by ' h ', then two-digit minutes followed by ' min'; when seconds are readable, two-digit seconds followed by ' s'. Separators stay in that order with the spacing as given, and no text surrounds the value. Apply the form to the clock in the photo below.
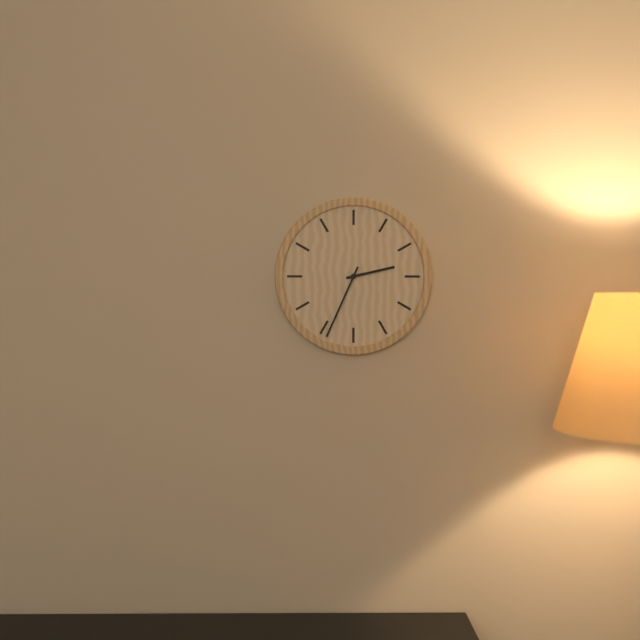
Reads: 2 h 34 min
